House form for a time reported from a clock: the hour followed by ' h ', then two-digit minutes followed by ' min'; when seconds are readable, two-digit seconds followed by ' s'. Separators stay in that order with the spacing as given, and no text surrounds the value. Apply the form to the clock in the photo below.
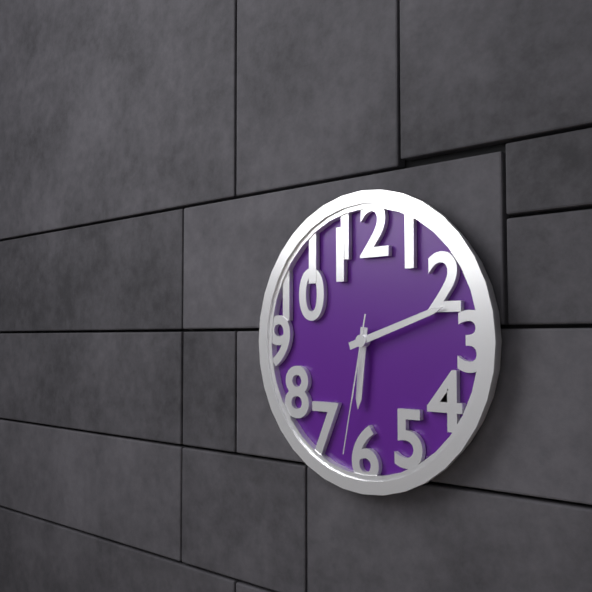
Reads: 6 h 12 min 32 s
